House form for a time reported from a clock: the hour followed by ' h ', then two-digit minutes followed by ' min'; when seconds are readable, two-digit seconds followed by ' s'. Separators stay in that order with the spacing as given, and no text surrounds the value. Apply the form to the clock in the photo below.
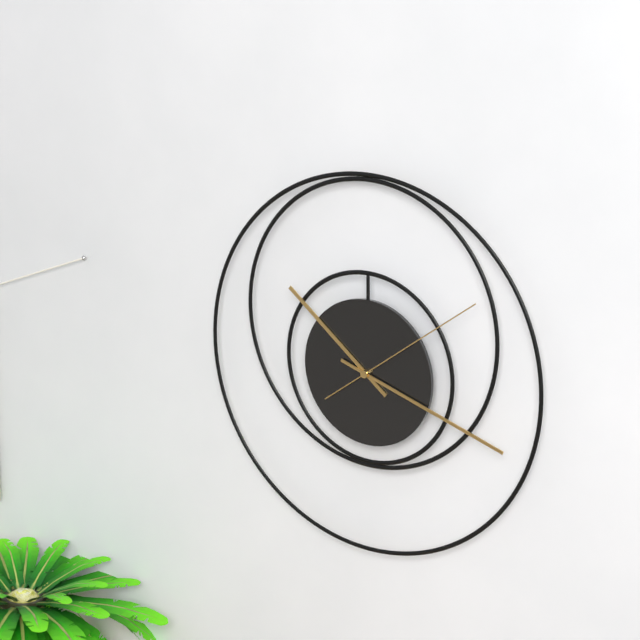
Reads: 10 h 18 min 09 s
